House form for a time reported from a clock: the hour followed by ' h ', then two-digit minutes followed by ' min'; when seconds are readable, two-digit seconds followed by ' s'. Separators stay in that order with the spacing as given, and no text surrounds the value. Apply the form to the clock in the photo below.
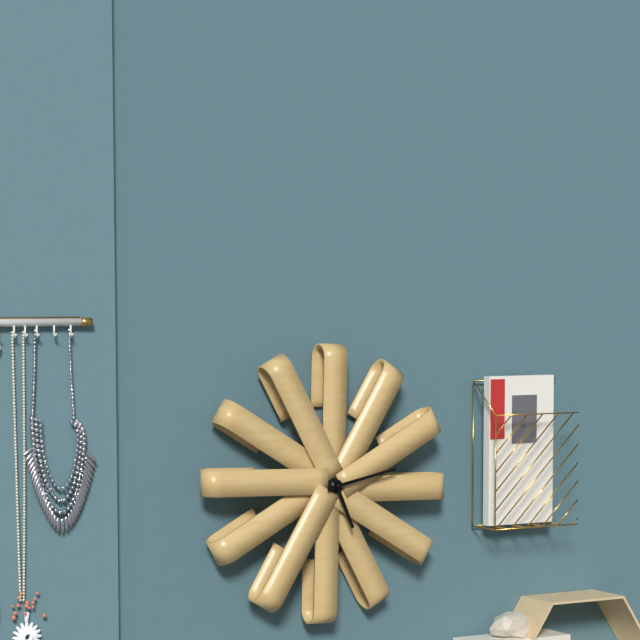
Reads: 5 h 13 min
